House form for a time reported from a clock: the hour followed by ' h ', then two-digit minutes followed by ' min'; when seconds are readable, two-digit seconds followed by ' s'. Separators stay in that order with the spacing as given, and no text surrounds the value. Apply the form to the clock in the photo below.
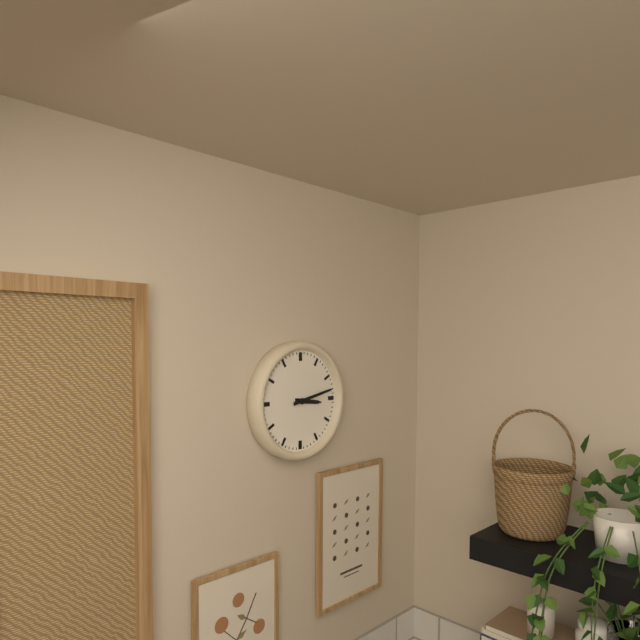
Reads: 3 h 13 min
